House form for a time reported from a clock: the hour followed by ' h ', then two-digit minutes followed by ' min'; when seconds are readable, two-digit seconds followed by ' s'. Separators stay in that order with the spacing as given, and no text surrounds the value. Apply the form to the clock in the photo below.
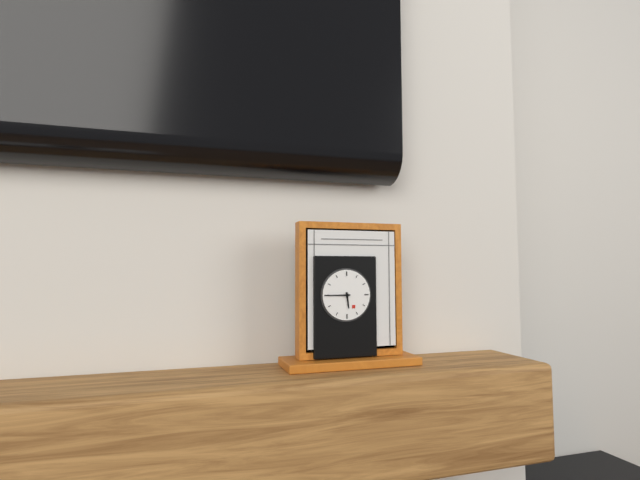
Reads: 5 h 45 min
